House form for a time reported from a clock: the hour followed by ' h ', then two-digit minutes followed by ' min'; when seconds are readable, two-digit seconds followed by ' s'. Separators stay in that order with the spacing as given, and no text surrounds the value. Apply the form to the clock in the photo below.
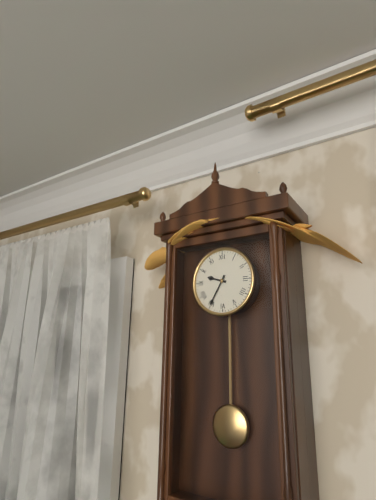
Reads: 9 h 35 min
